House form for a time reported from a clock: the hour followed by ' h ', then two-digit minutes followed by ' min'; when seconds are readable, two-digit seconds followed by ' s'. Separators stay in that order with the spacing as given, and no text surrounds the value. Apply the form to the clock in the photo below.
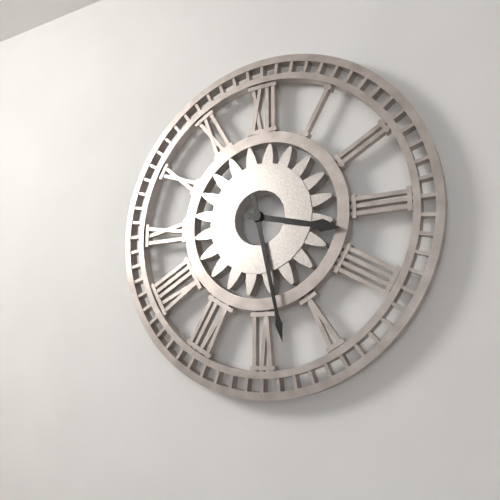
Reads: 3 h 28 min
